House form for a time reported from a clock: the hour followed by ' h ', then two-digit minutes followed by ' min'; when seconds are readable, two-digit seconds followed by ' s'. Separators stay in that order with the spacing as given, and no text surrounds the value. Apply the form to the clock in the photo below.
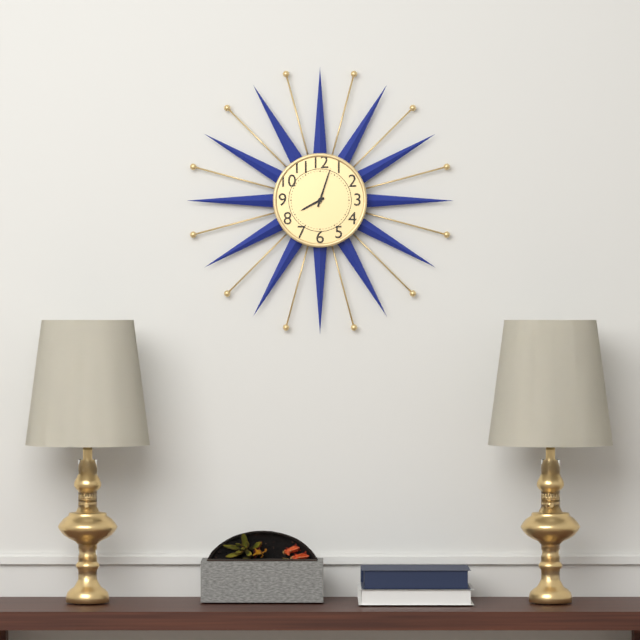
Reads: 8 h 03 min
